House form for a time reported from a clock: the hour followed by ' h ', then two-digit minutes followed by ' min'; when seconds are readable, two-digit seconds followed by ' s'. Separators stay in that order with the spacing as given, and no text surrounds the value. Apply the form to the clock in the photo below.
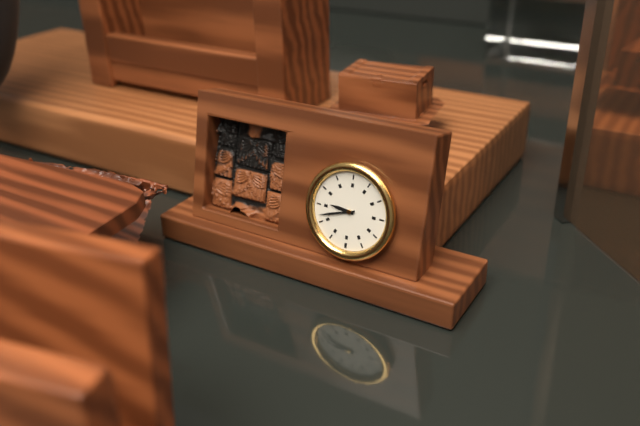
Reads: 3 h 12 min
